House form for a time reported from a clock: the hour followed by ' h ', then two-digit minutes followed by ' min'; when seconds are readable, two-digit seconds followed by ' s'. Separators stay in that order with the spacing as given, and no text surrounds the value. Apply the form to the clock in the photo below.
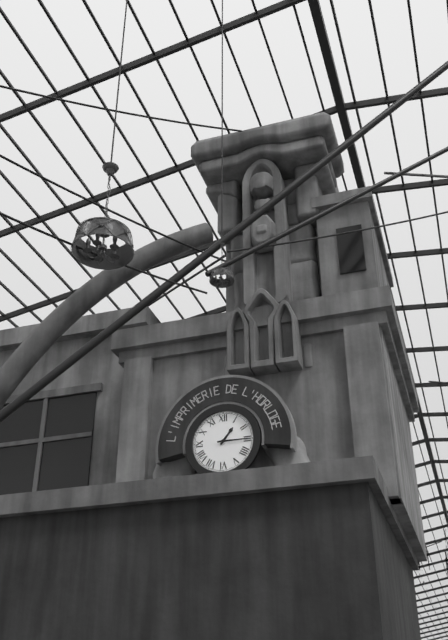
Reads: 1 h 15 min
